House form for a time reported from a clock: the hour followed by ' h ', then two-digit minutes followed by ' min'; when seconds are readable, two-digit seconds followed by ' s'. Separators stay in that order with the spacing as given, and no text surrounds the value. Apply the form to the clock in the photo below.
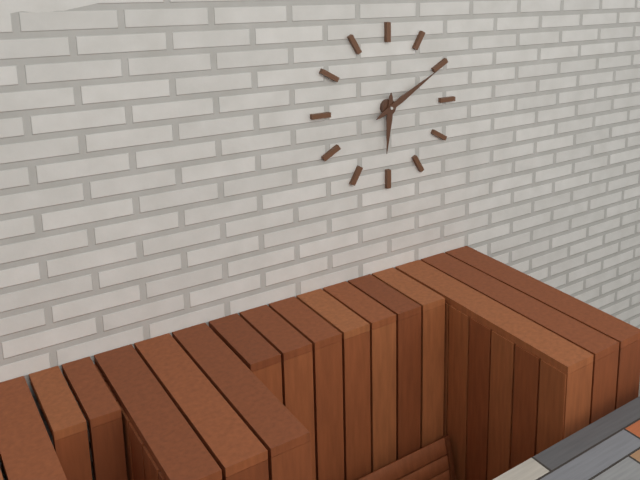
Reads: 6 h 10 min
